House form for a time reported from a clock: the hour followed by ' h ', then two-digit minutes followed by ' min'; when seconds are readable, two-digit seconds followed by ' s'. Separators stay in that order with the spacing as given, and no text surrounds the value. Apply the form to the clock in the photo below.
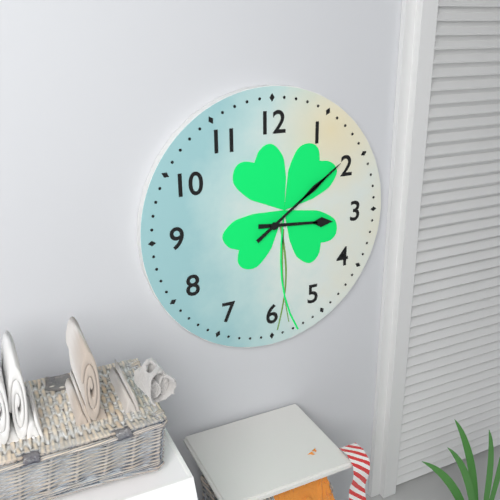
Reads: 3 h 09 min
